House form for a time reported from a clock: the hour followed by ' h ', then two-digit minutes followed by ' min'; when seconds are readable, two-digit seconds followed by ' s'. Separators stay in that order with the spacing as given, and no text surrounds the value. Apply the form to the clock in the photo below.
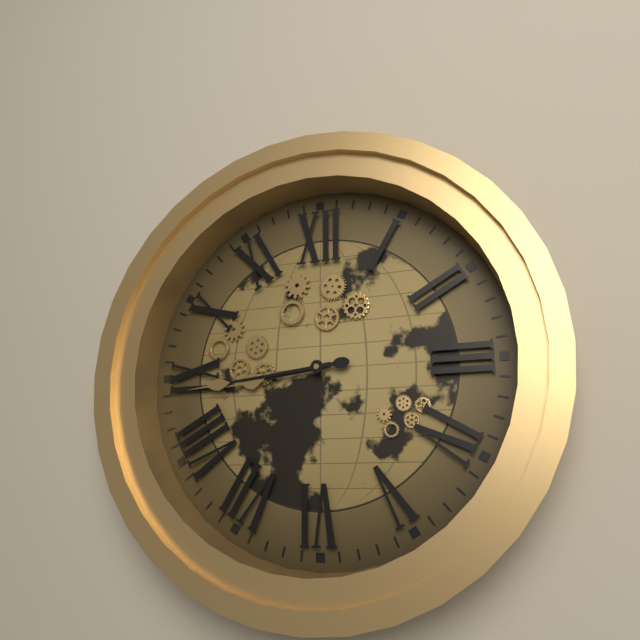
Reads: 8 h 44 min
